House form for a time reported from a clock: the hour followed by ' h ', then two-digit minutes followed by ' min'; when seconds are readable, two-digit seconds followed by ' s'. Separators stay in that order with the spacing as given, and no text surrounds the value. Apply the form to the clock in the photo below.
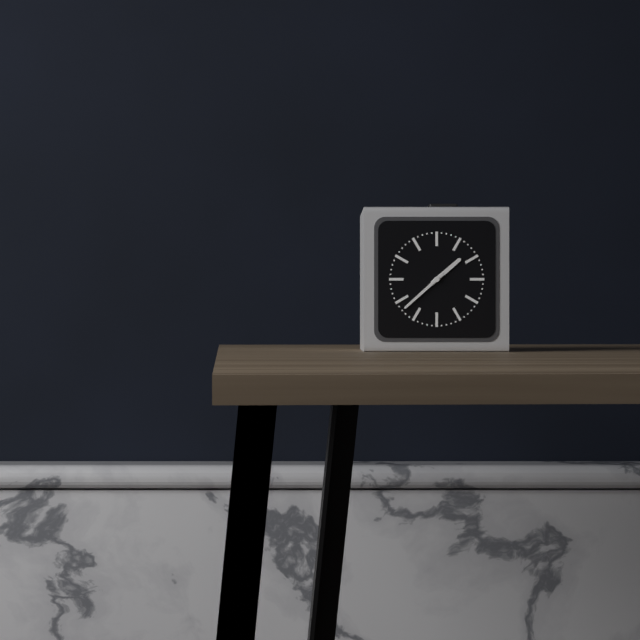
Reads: 1 h 38 min
